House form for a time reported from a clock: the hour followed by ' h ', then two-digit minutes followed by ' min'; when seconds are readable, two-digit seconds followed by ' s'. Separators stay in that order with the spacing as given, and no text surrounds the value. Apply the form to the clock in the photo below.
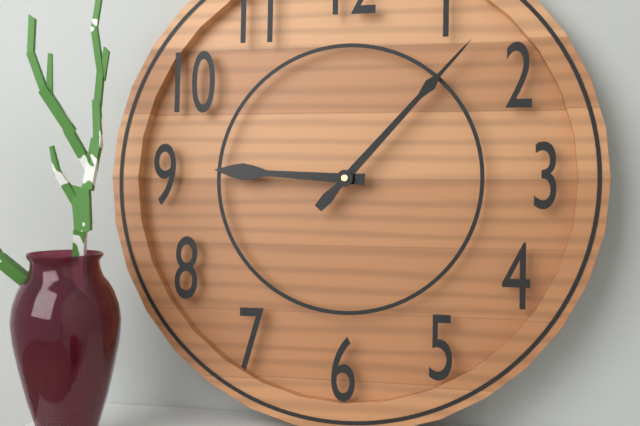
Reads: 9 h 07 min
